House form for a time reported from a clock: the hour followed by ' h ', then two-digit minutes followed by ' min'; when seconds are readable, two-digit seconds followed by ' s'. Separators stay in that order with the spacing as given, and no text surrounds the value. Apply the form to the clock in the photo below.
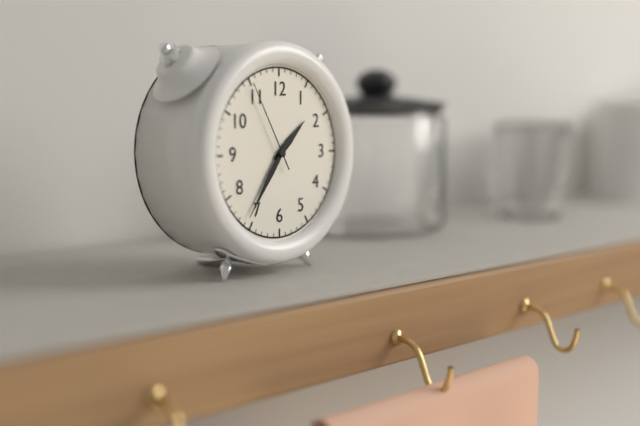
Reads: 1 h 36 min 55 s
